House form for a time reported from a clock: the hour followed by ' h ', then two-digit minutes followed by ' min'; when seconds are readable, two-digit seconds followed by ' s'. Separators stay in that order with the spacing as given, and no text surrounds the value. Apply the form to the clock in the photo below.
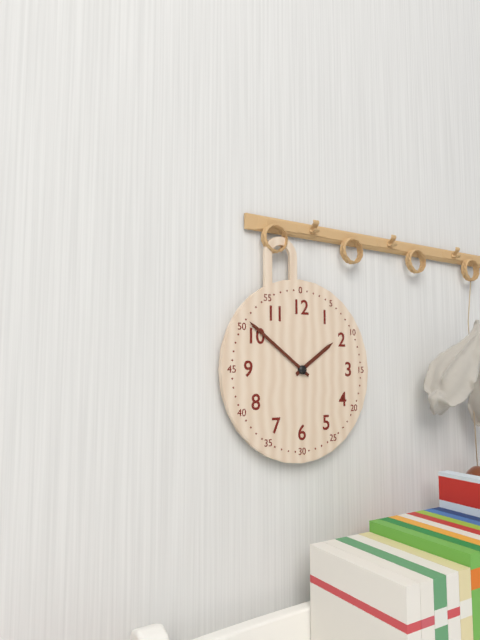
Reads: 1 h 51 min
